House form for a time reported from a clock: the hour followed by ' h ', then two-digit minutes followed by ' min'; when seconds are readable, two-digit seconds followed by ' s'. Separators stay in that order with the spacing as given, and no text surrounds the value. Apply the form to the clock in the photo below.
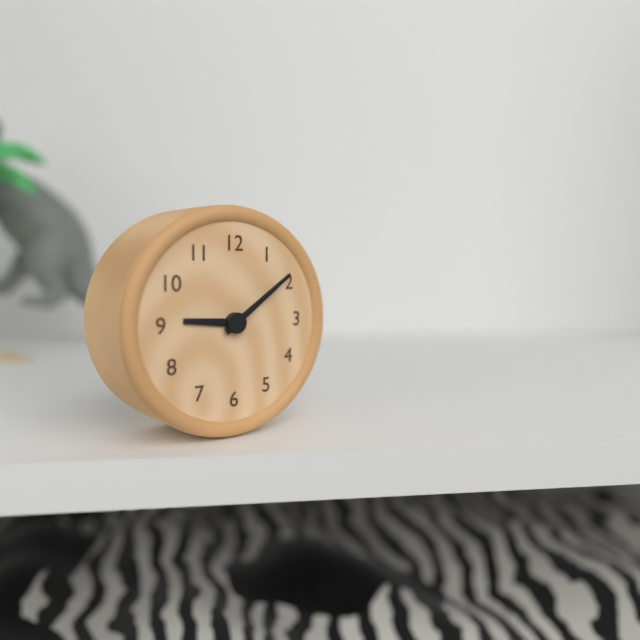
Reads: 9 h 09 min
